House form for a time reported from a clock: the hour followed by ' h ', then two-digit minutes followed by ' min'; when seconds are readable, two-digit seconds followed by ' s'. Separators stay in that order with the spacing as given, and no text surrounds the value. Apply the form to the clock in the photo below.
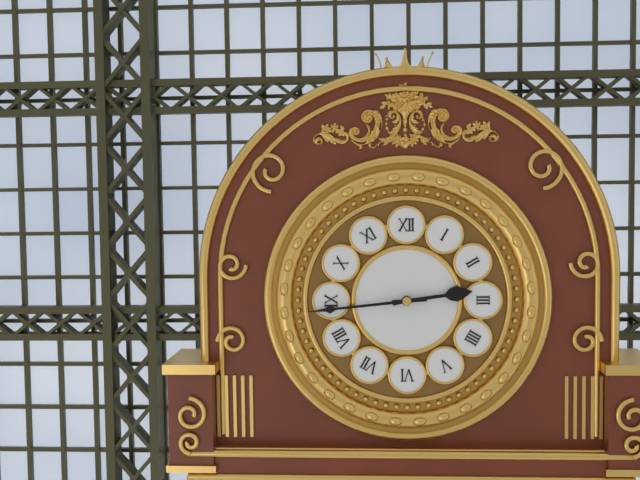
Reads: 2 h 44 min
